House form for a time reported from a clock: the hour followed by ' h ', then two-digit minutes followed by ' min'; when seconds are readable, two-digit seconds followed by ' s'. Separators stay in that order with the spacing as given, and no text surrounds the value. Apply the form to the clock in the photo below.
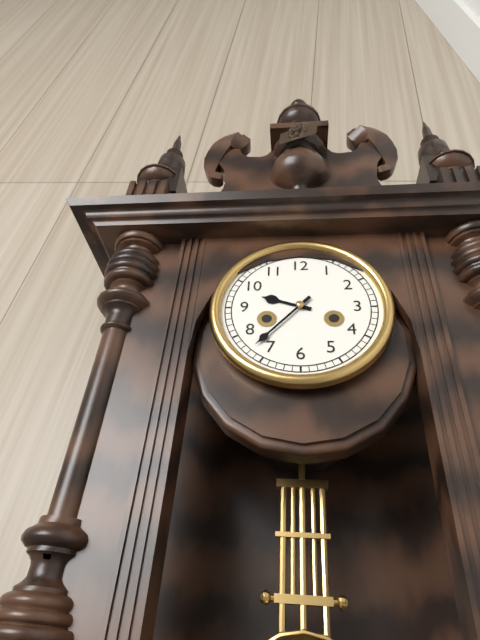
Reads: 9 h 37 min
